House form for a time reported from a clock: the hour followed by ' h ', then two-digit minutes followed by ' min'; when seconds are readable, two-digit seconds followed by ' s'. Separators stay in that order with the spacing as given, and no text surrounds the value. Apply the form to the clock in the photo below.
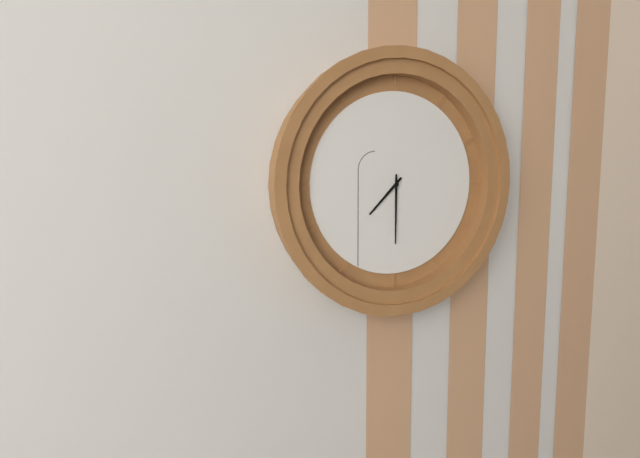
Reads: 7 h 30 min
